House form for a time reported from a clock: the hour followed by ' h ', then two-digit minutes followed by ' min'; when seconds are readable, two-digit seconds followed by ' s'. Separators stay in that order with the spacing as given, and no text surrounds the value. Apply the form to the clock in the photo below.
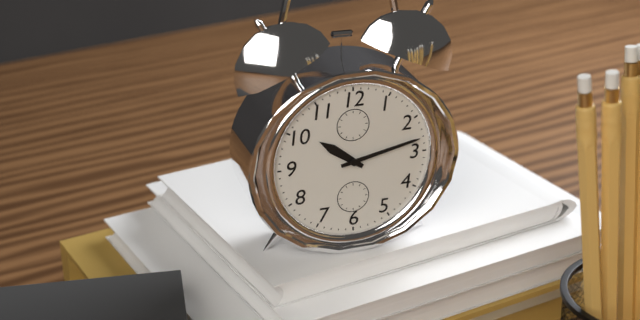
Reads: 10 h 13 min
